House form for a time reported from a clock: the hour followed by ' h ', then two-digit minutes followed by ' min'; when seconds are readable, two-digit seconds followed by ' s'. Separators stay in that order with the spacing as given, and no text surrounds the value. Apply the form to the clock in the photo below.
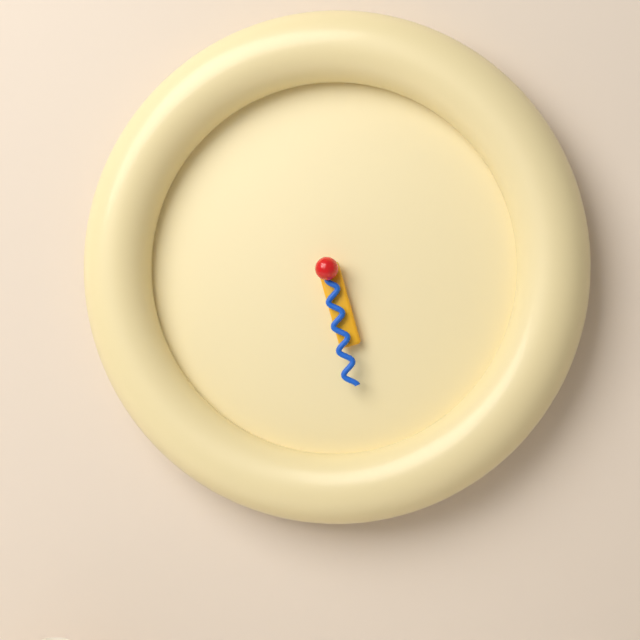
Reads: 5 h 28 min
